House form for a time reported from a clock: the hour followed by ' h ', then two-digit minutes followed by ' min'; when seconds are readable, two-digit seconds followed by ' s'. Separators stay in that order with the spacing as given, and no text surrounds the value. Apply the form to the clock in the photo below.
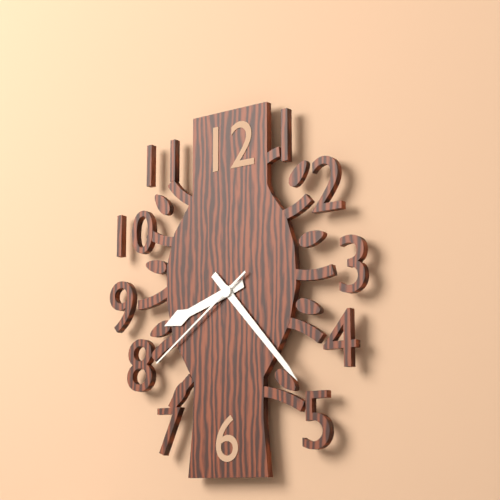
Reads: 8 h 23 min 39 s
